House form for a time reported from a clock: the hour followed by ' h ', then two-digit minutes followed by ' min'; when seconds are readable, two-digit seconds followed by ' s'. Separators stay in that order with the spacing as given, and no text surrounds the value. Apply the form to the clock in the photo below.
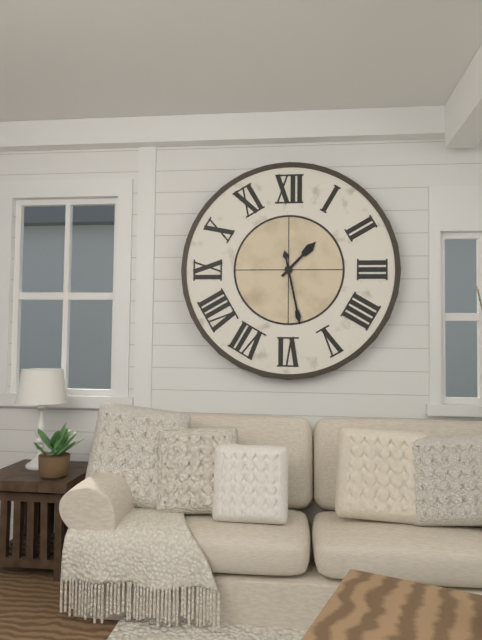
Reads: 1 h 28 min
